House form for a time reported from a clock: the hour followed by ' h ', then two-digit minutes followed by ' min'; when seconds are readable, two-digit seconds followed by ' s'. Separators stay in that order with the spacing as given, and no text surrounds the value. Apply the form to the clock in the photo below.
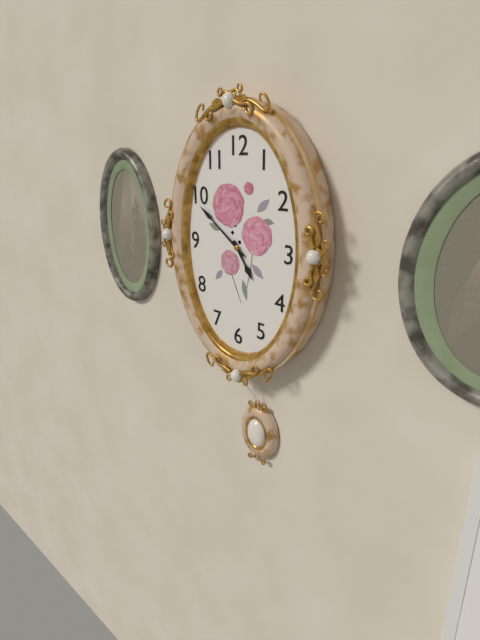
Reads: 4 h 51 min
